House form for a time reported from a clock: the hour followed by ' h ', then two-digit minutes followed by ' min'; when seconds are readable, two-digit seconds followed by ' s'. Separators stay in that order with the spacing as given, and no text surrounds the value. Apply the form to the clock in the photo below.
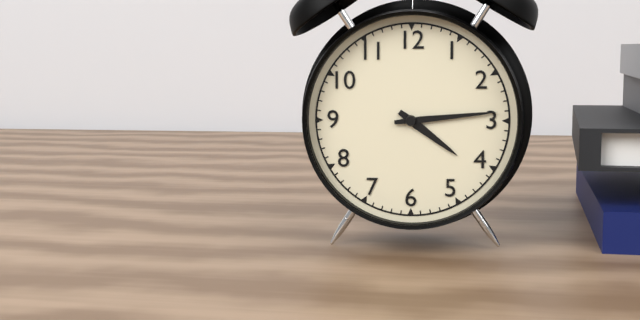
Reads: 4 h 14 min
